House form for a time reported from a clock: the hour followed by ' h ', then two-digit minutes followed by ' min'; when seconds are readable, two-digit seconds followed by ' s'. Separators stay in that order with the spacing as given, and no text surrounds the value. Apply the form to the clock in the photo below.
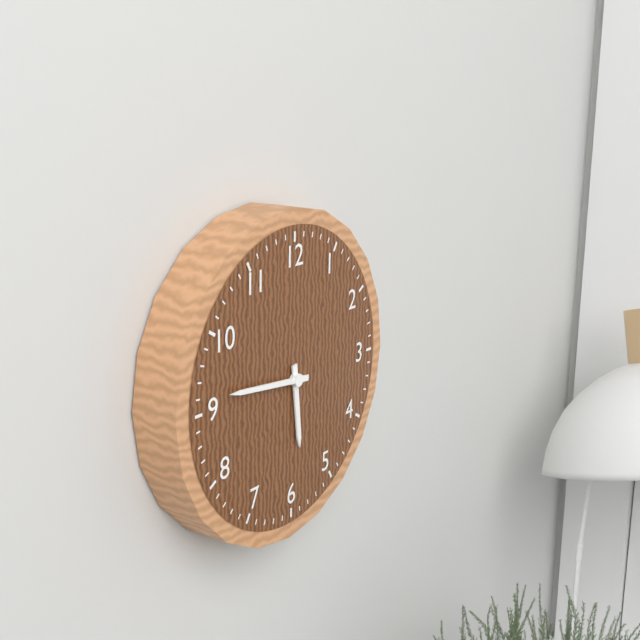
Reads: 5 h 46 min
